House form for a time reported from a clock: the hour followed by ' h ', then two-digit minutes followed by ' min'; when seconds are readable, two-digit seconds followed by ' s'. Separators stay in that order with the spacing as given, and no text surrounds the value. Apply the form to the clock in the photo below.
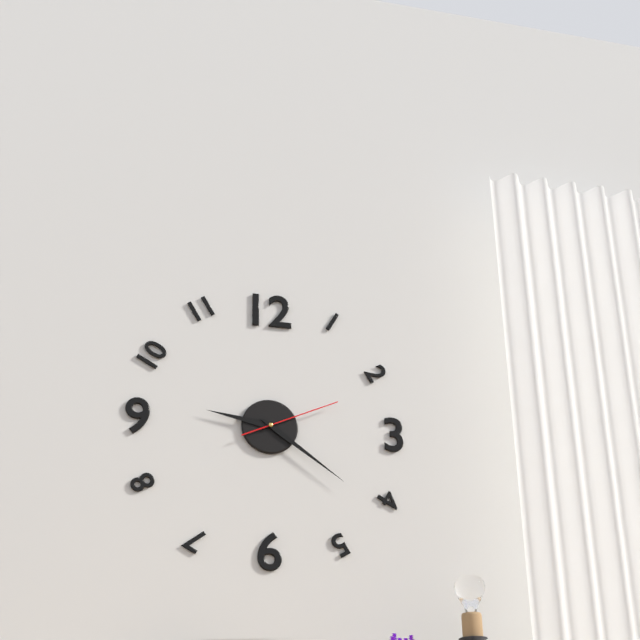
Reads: 9 h 21 min 11 s
